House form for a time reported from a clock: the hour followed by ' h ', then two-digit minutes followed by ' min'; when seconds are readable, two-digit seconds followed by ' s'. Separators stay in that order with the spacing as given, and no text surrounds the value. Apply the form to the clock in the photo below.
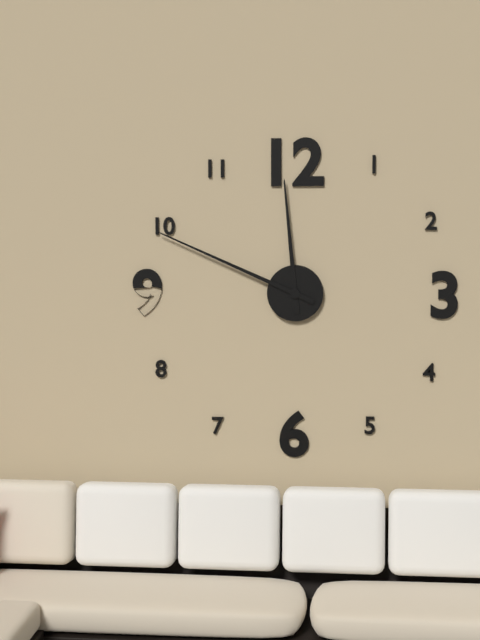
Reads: 11 h 49 min
